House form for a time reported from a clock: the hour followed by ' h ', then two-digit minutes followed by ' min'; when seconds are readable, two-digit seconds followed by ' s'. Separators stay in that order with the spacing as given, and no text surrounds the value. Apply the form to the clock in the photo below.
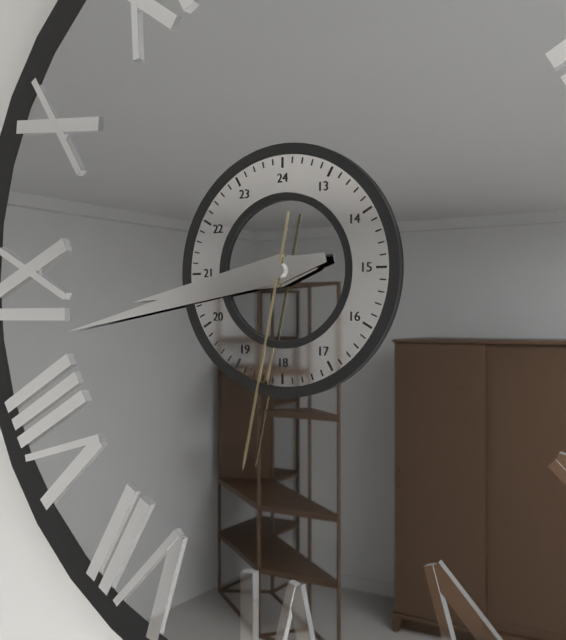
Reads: 8 h 43 min 32 s
